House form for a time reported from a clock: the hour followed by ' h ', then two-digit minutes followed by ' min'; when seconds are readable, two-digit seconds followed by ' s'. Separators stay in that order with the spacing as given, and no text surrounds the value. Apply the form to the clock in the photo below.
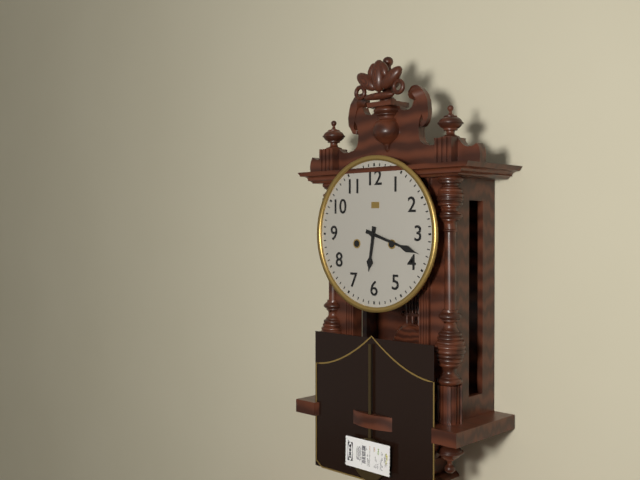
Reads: 6 h 18 min
